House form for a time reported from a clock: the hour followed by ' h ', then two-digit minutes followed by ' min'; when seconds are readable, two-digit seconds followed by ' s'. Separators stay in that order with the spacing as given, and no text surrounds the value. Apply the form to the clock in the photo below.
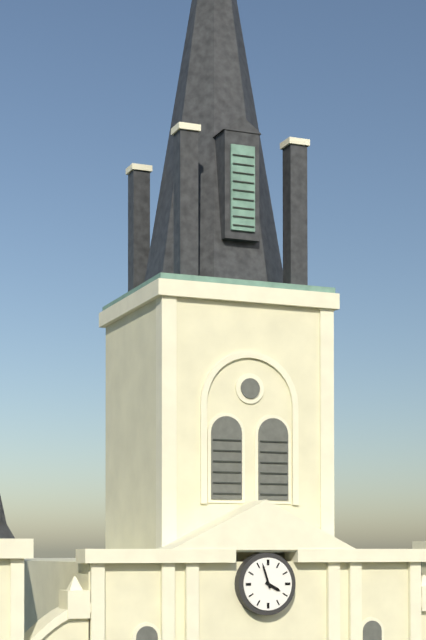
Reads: 3 h 57 min
